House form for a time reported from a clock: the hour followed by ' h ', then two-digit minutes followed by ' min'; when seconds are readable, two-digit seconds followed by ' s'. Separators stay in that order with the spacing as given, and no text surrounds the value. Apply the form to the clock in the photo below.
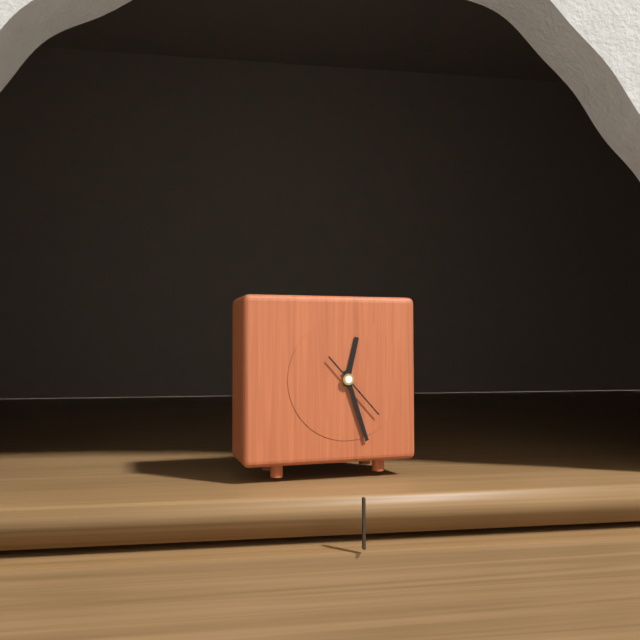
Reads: 12 h 27 min 23 s
